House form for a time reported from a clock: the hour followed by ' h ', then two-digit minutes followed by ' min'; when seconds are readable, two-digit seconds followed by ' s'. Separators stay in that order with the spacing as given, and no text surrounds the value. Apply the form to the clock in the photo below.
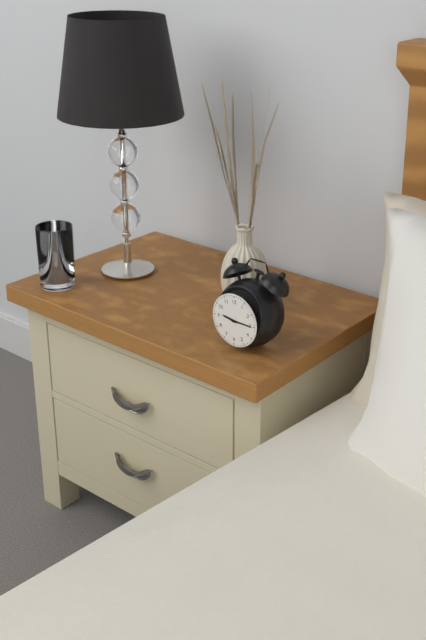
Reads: 9 h 15 min
